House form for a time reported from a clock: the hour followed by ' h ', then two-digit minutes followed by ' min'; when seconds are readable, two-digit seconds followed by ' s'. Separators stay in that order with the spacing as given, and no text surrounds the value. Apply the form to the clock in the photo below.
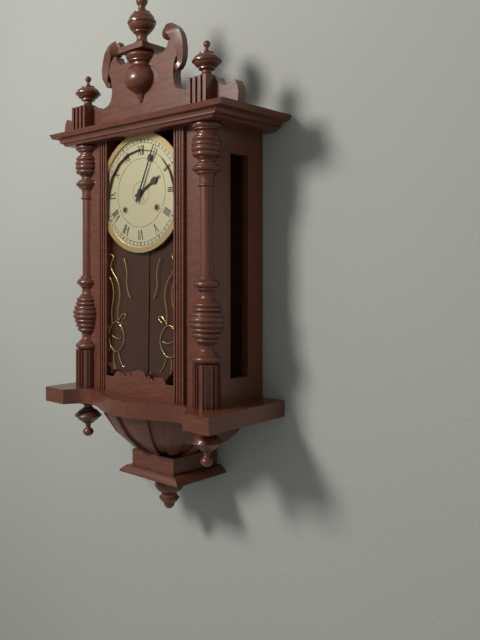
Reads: 2 h 04 min
